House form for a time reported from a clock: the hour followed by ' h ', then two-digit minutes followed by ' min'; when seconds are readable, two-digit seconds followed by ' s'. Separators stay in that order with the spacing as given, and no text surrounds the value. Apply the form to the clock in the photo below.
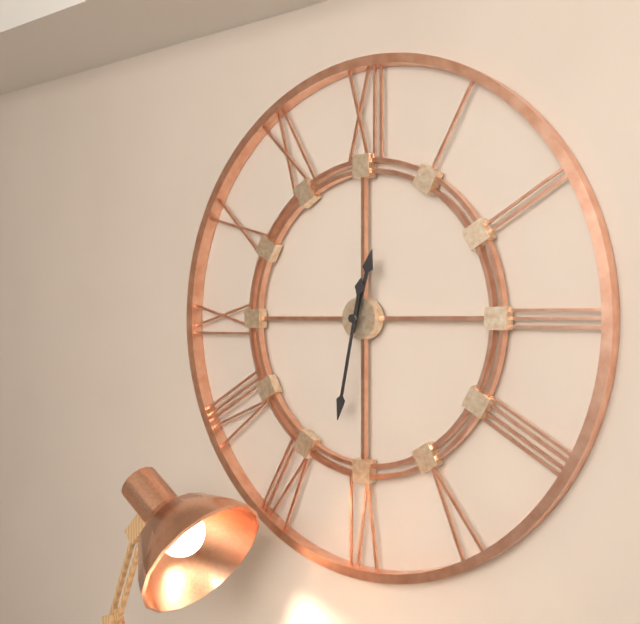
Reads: 12 h 32 min
